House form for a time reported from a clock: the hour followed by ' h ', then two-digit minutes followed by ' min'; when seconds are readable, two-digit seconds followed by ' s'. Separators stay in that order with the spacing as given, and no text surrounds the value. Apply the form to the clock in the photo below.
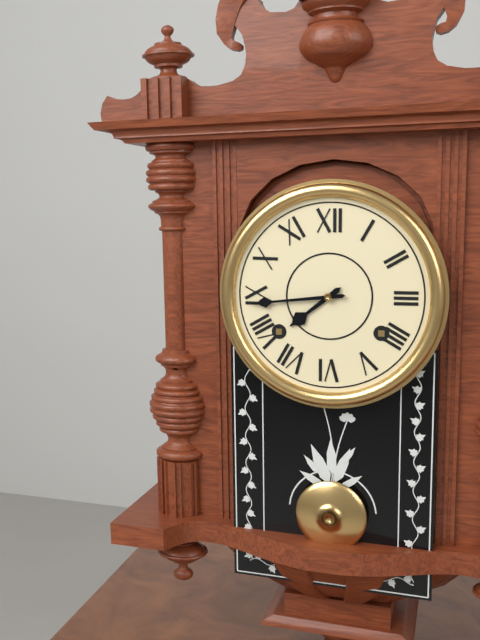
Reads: 7 h 44 min
